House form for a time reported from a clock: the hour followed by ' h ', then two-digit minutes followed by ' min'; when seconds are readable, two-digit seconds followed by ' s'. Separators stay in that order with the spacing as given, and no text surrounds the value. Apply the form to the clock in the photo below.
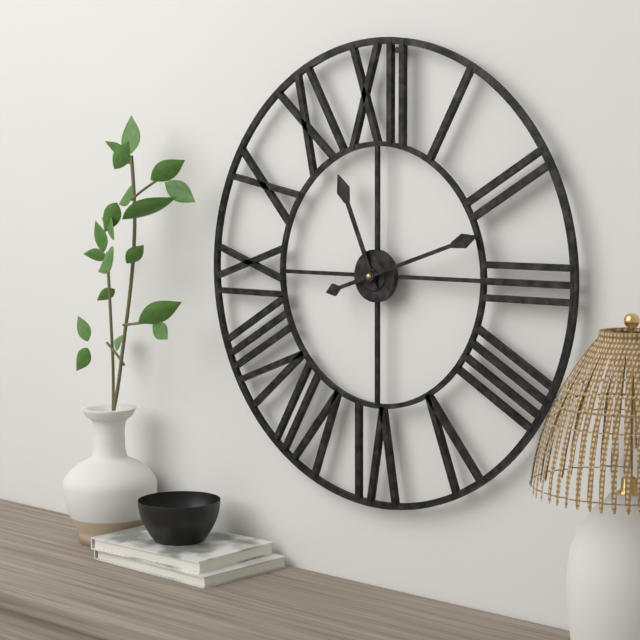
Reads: 11 h 12 min
